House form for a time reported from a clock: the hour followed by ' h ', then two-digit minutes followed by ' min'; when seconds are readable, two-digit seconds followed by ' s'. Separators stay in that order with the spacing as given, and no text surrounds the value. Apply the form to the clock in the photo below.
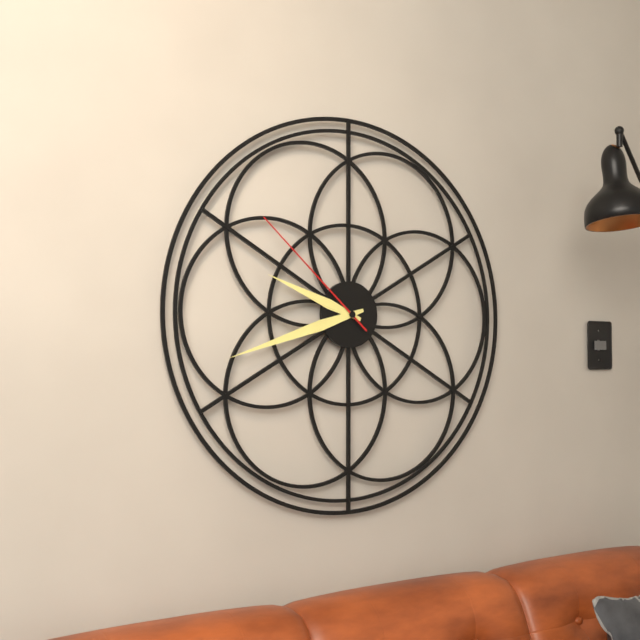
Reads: 9 h 42 min 52 s
